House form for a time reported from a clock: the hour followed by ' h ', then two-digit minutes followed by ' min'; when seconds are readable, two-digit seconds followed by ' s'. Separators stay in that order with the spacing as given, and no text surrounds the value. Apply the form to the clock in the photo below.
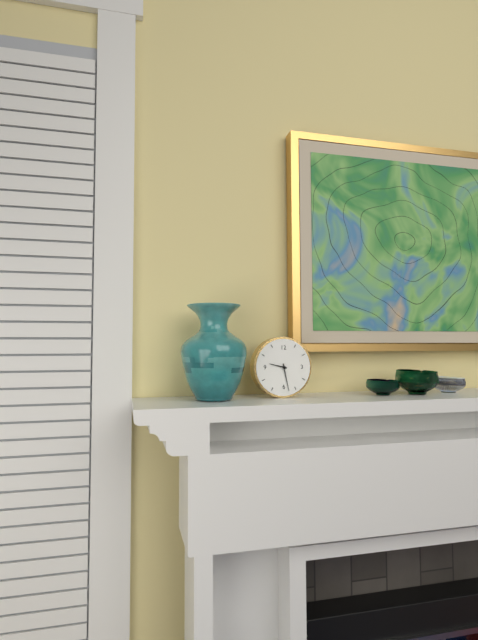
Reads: 9 h 28 min
